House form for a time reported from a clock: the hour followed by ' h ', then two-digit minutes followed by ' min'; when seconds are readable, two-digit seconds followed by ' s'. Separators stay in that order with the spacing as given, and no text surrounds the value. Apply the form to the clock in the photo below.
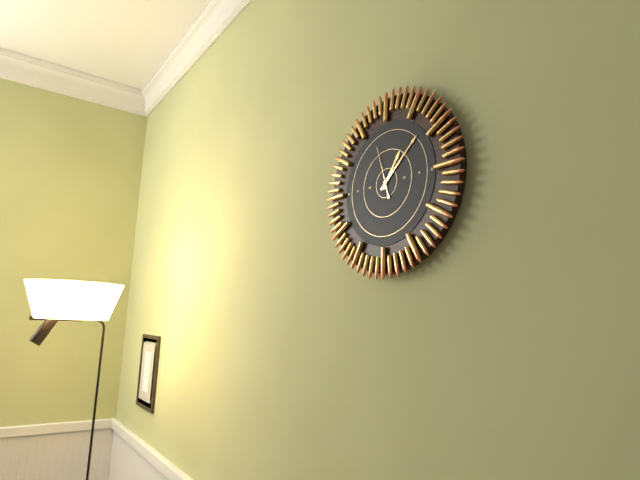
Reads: 1 h 08 min
